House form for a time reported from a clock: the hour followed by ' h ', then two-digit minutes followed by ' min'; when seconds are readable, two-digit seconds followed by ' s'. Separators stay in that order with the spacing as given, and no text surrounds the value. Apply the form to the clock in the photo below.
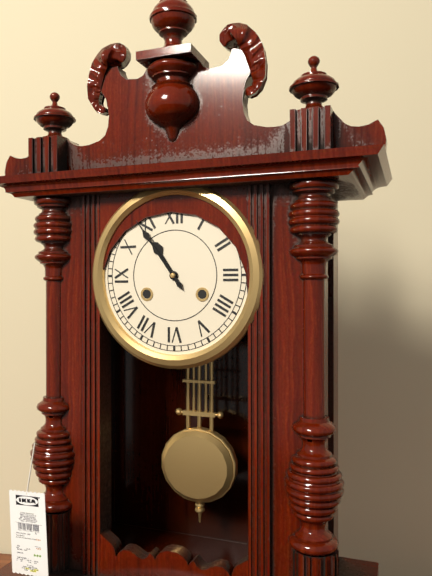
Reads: 10 h 54 min
